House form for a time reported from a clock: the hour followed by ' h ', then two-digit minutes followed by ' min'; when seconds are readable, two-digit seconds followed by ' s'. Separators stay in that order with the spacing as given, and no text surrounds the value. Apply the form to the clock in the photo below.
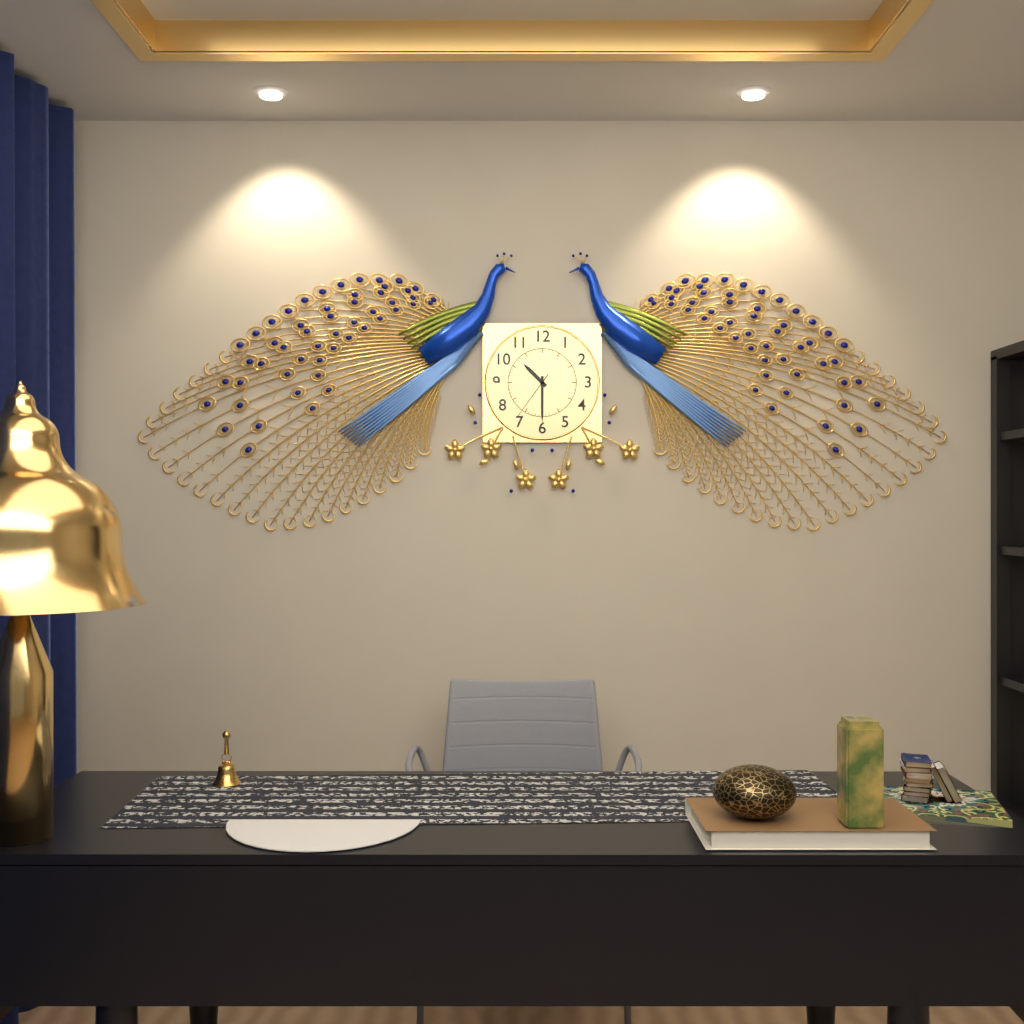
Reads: 10 h 30 min 36 s
